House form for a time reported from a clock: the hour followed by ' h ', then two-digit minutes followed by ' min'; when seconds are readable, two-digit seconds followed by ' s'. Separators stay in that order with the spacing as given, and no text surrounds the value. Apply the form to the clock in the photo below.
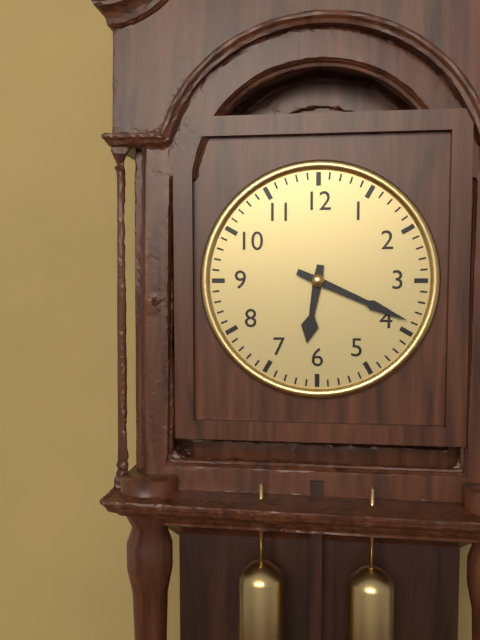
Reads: 6 h 19 min
